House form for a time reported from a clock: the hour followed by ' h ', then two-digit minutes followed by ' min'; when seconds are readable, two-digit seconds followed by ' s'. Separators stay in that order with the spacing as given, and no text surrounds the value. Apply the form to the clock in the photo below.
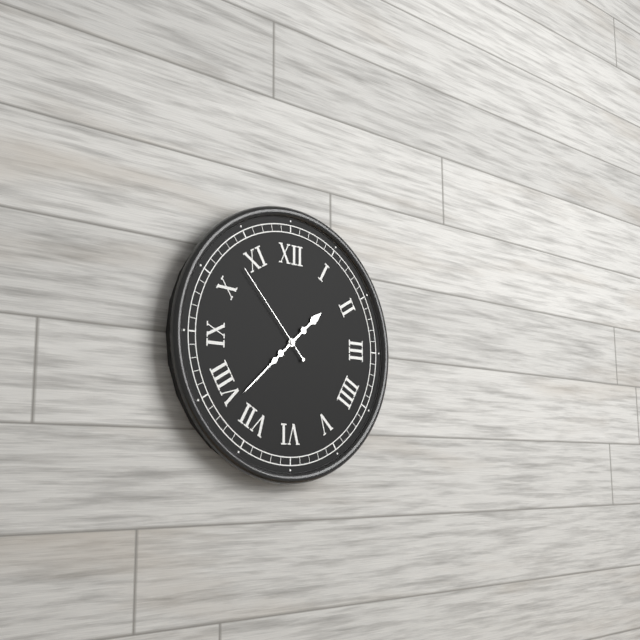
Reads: 1 h 38 min 53 s
